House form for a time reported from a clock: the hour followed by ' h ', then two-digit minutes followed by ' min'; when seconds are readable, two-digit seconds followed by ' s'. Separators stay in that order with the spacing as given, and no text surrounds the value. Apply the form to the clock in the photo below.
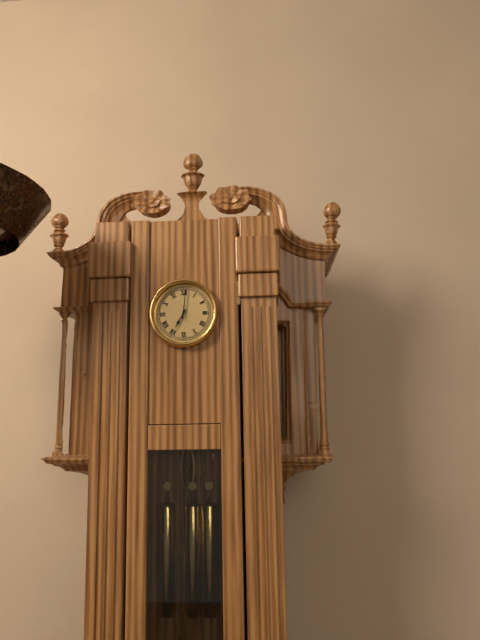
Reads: 7 h 01 min
